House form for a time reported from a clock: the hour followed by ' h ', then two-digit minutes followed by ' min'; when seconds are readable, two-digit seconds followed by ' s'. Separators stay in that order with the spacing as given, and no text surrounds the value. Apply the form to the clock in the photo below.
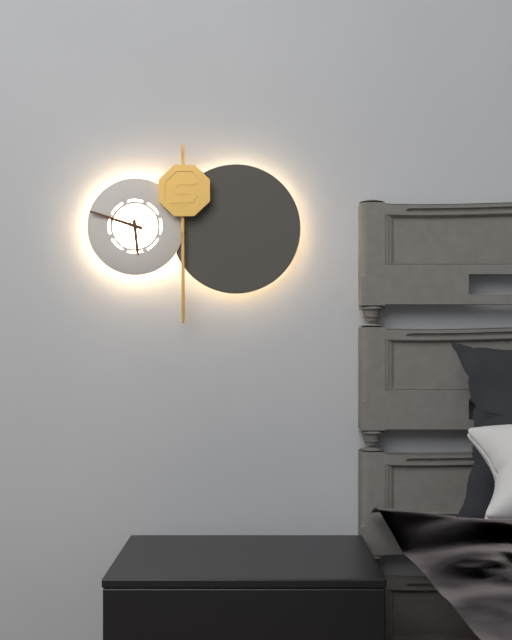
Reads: 5 h 48 min
